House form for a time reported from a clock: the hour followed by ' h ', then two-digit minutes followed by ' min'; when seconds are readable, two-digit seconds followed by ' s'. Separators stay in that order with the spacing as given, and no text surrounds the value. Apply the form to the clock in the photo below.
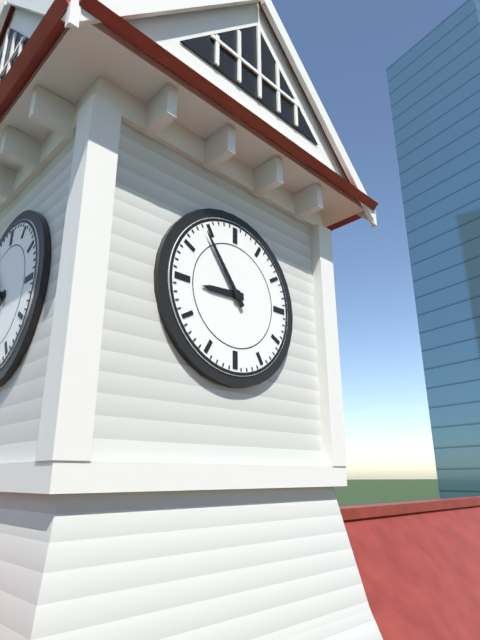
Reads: 8 h 54 min
